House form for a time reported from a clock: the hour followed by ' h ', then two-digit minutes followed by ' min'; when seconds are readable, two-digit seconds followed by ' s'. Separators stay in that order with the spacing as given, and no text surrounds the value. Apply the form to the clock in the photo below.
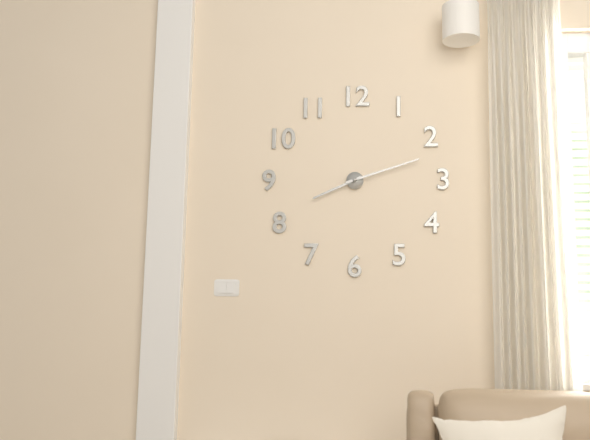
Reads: 8 h 12 min
